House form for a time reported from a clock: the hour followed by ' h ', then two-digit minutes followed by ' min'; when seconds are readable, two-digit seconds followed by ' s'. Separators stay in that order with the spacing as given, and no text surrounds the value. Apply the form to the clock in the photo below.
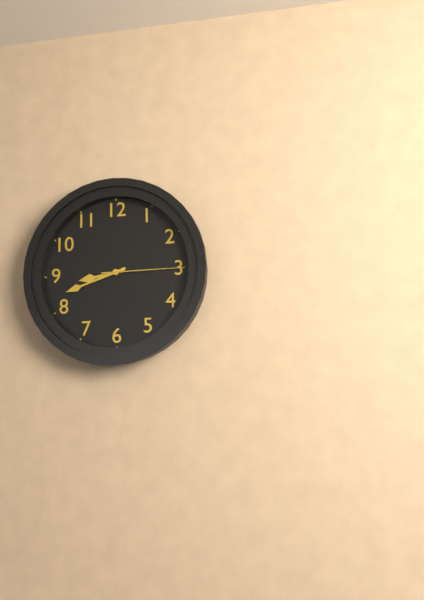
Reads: 8 h 42 min 15 s
